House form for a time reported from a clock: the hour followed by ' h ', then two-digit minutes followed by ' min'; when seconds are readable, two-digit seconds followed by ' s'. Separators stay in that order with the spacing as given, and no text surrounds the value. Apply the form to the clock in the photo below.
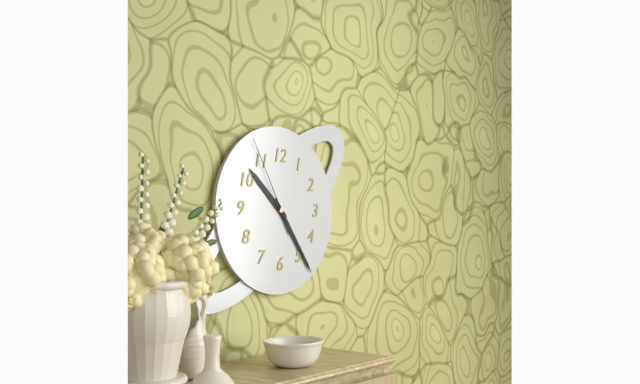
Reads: 10 h 24 min 55 s
